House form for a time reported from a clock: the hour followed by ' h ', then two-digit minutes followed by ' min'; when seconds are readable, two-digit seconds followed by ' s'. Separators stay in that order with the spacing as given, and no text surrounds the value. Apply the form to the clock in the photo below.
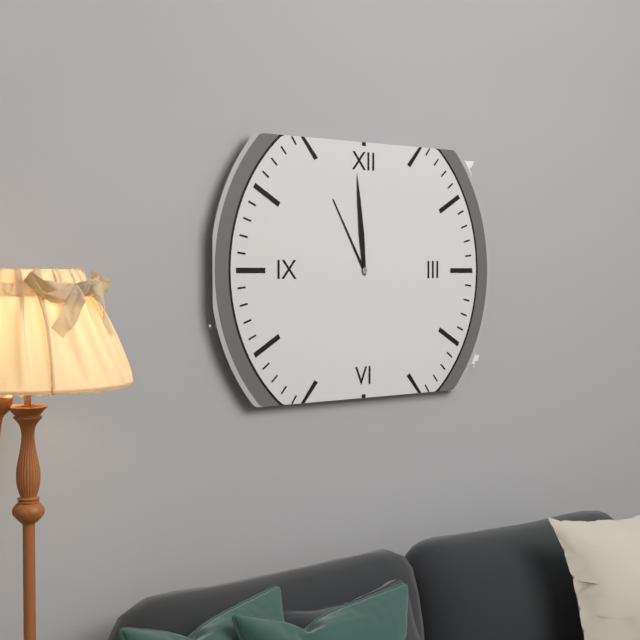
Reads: 10 h 59 min
